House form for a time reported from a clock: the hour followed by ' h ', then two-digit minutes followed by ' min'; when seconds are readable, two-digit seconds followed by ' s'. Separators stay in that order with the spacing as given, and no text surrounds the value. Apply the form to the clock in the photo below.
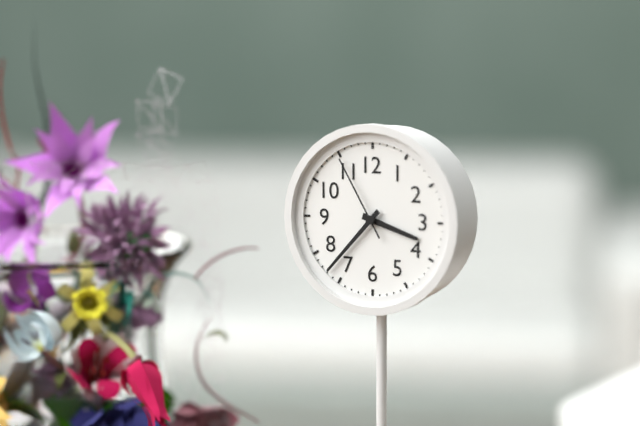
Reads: 3 h 37 min 55 s
